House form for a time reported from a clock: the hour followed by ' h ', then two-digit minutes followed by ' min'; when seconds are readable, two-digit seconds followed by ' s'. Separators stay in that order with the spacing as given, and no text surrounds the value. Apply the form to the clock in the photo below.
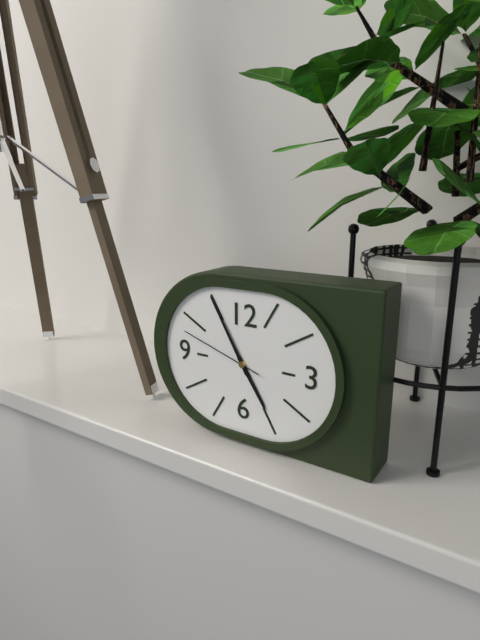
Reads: 4 h 55 min 48 s
